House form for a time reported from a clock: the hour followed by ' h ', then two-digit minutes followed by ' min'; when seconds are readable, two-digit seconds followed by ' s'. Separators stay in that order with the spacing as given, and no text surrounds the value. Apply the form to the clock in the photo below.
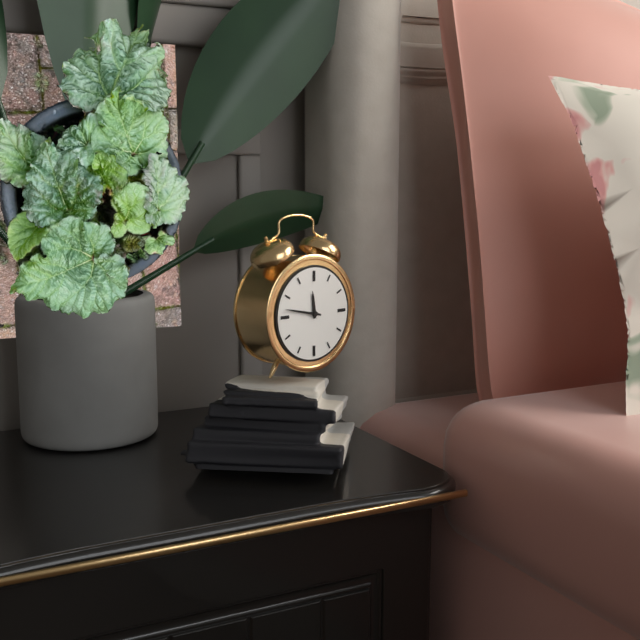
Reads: 11 h 47 min
